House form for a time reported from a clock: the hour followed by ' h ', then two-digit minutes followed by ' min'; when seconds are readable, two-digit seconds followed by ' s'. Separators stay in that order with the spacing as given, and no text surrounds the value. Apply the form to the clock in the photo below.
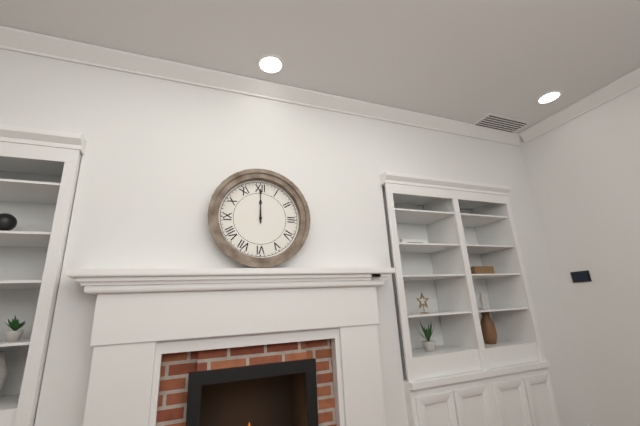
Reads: 12 h 00 min
